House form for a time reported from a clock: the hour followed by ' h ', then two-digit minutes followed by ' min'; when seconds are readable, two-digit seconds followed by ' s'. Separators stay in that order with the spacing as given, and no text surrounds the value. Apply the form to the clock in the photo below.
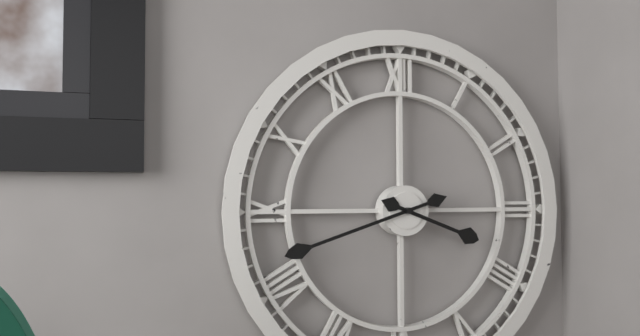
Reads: 3 h 42 min
